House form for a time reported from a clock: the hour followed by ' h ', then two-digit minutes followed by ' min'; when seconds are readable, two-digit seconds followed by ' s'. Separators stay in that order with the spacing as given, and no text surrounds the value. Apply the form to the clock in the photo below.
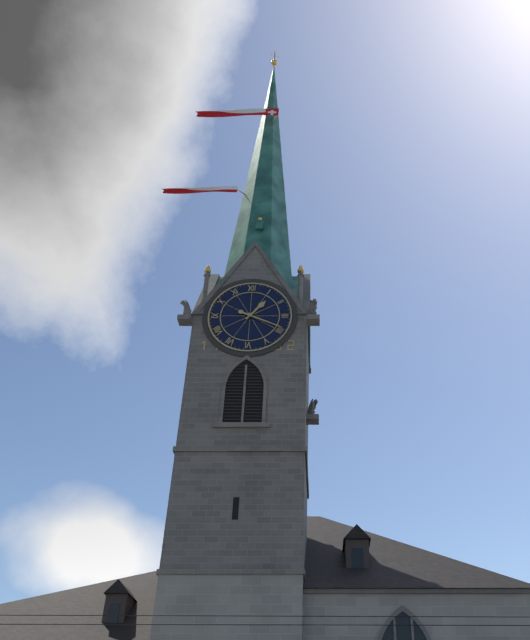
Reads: 1 h 19 min
